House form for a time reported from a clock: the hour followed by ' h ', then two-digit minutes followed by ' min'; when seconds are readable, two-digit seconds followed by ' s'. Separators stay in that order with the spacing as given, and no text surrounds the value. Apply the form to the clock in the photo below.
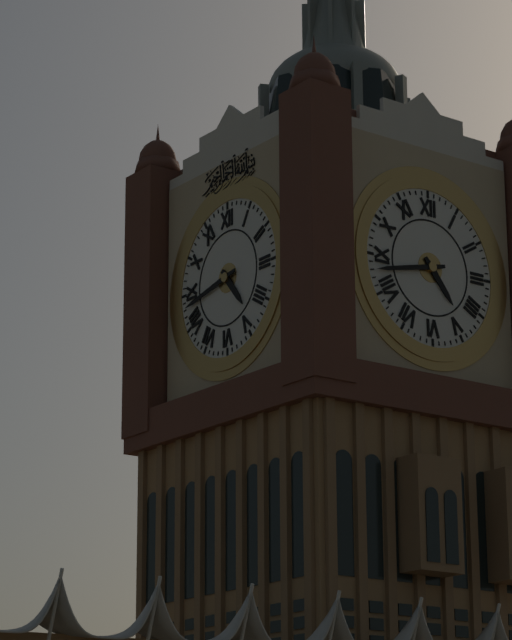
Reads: 4 h 43 min
